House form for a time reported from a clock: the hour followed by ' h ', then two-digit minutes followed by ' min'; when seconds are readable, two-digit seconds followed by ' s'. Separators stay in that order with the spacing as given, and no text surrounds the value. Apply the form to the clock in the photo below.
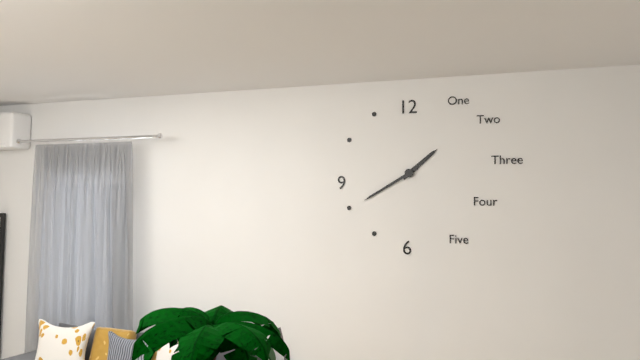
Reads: 1 h 40 min
